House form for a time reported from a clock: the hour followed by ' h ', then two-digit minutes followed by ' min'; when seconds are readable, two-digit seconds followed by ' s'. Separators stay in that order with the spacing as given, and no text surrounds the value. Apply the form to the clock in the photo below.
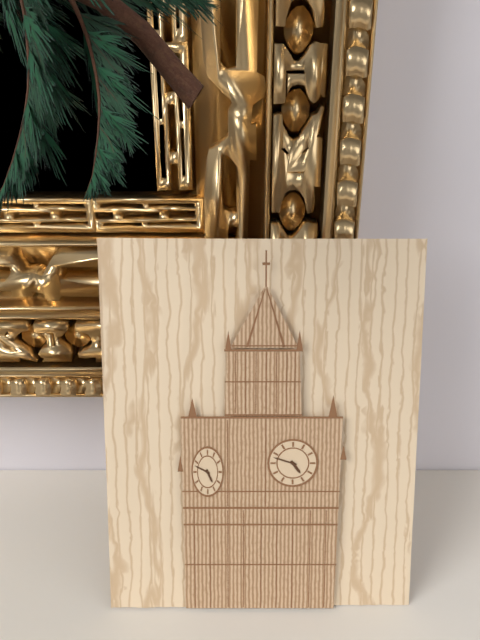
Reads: 4 h 48 min
